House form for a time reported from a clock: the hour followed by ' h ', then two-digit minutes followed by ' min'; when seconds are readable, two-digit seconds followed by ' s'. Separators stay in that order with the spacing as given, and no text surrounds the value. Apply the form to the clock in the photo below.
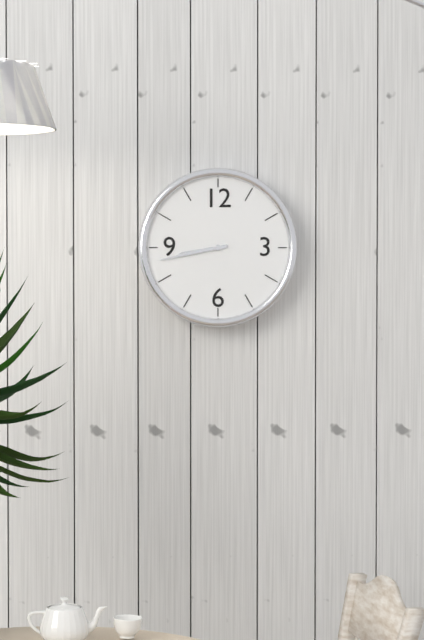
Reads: 8 h 43 min
